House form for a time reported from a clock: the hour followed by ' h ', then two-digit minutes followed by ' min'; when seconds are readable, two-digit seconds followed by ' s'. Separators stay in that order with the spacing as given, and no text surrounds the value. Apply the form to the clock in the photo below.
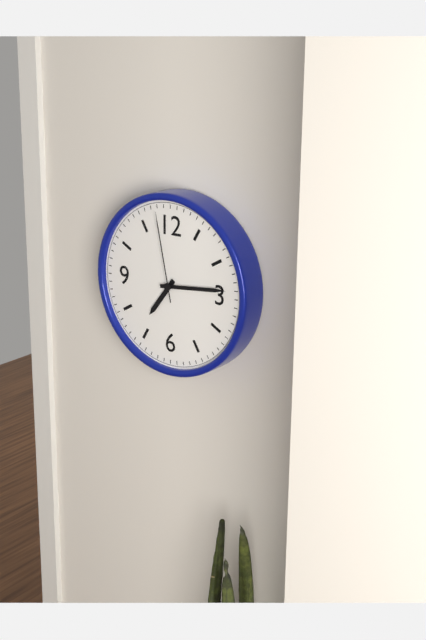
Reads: 7 h 14 min 58 s
